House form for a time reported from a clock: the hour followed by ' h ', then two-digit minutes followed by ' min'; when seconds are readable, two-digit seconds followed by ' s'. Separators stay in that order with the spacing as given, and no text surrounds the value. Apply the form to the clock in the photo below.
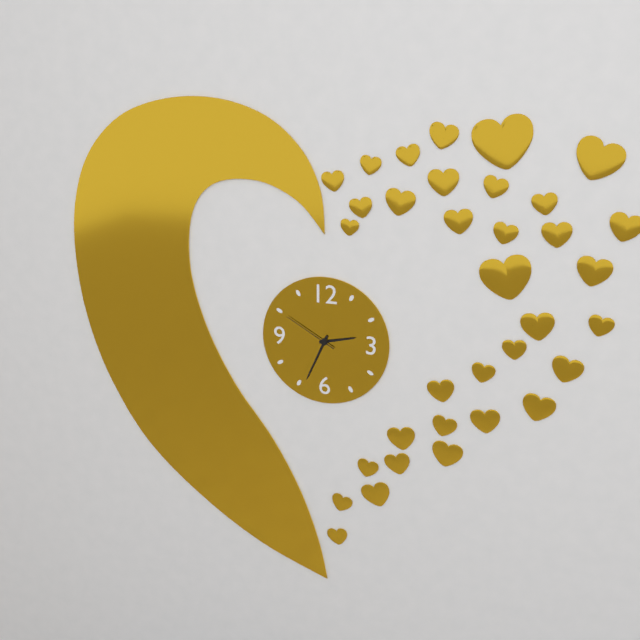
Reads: 2 h 34 min 50 s
